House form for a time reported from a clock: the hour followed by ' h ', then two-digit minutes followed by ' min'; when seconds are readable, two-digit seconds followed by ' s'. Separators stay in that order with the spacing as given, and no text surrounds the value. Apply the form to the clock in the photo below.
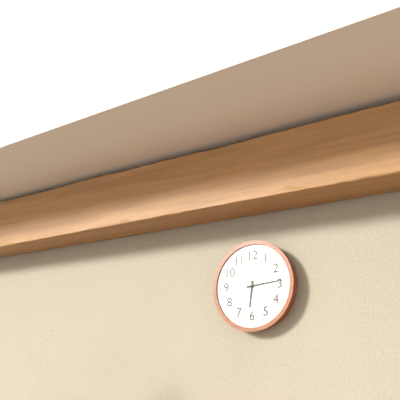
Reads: 6 h 14 min
